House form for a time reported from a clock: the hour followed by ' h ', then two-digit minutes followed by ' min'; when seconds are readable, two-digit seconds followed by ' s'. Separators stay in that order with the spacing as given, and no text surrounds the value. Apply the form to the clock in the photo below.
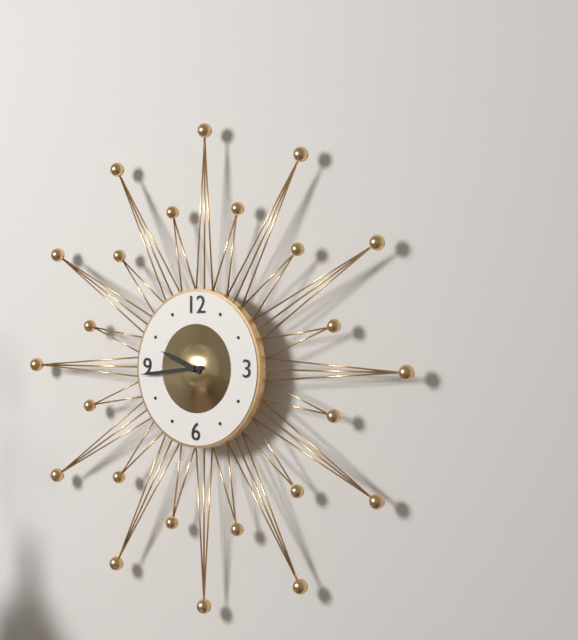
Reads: 9 h 44 min
